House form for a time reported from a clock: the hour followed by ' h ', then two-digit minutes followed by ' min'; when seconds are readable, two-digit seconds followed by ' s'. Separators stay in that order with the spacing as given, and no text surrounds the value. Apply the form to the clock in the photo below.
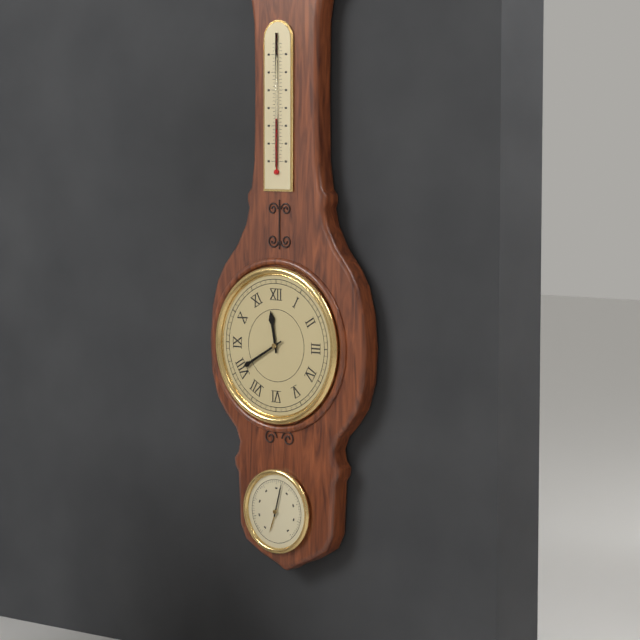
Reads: 11 h 40 min
